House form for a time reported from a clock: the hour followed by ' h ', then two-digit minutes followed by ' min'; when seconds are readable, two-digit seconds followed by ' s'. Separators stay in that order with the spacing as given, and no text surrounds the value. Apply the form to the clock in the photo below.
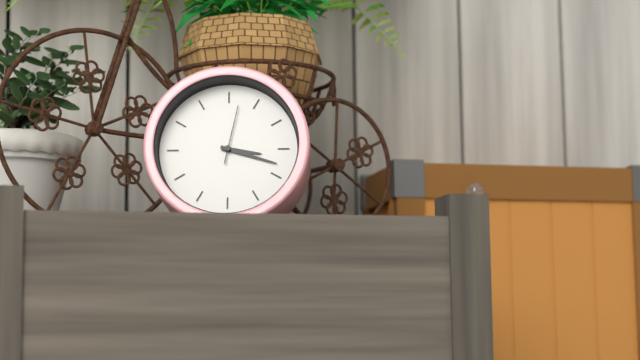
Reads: 3 h 18 min 02 s
